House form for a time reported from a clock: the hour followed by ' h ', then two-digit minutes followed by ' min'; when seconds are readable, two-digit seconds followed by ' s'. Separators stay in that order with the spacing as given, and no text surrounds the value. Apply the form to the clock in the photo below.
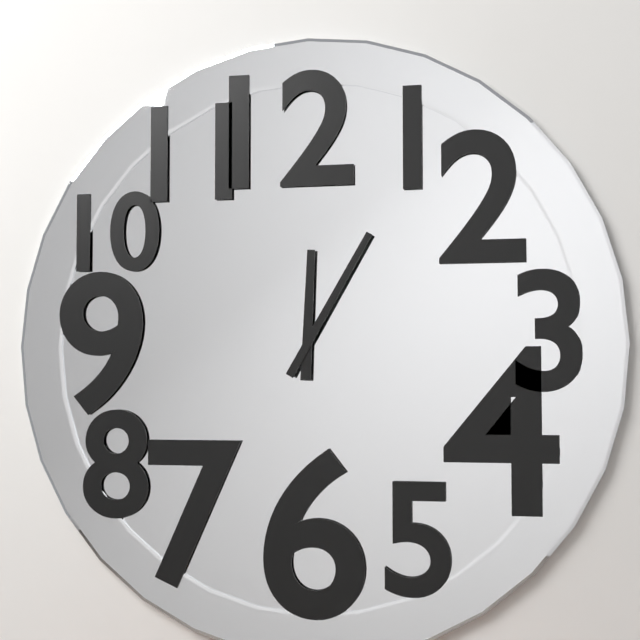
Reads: 12 h 05 min
